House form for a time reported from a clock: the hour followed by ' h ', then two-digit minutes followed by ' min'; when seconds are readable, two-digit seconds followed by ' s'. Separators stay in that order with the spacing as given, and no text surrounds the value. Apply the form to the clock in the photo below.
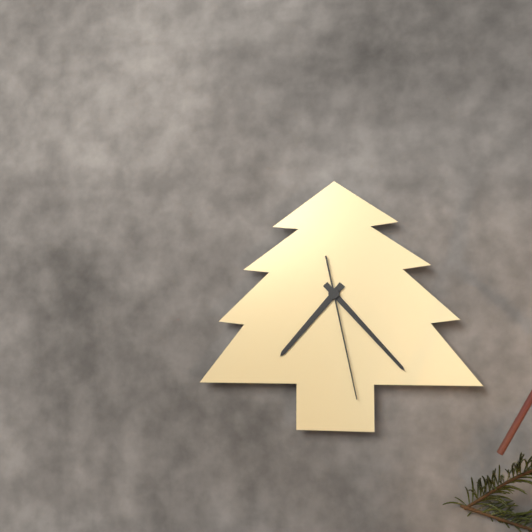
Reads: 7 h 23 min 28 s
